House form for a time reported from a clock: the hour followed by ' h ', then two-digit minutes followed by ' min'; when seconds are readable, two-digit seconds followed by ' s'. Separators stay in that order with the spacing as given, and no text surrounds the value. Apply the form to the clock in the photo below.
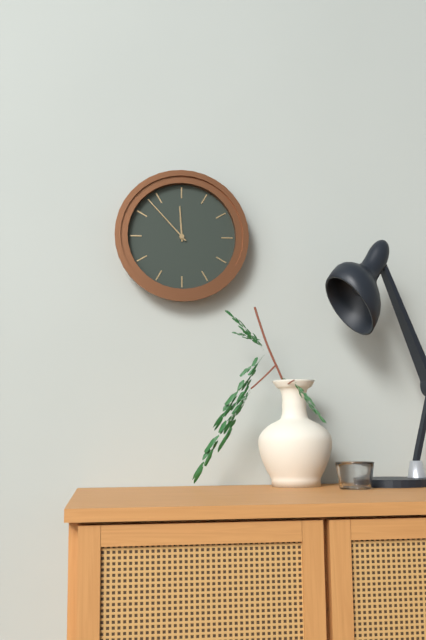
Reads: 11 h 53 min
